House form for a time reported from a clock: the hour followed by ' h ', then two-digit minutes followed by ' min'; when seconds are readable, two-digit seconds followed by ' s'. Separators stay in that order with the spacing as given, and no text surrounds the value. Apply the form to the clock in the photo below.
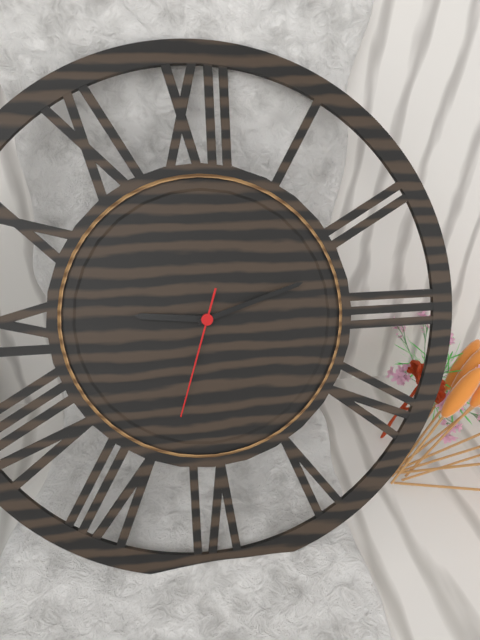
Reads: 9 h 12 min 33 s
